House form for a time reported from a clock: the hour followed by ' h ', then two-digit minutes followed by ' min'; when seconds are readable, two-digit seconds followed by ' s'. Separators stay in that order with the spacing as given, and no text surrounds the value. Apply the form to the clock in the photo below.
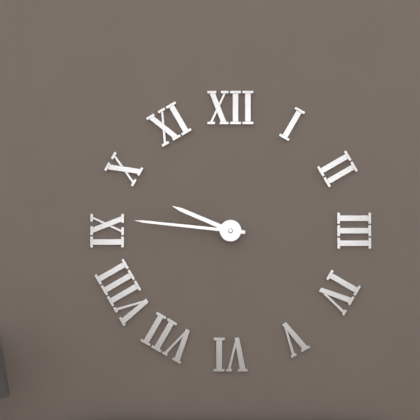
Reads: 9 h 46 min
